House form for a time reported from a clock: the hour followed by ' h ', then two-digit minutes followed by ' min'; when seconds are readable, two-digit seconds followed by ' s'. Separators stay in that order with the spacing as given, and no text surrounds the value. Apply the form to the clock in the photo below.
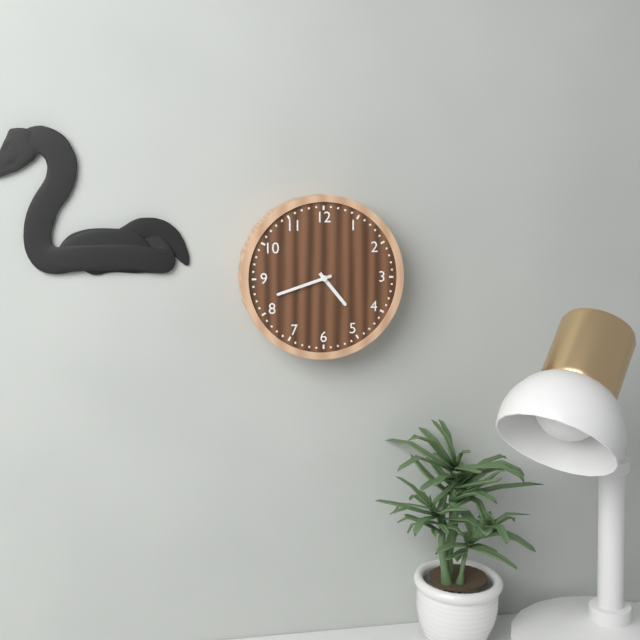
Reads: 4 h 42 min
